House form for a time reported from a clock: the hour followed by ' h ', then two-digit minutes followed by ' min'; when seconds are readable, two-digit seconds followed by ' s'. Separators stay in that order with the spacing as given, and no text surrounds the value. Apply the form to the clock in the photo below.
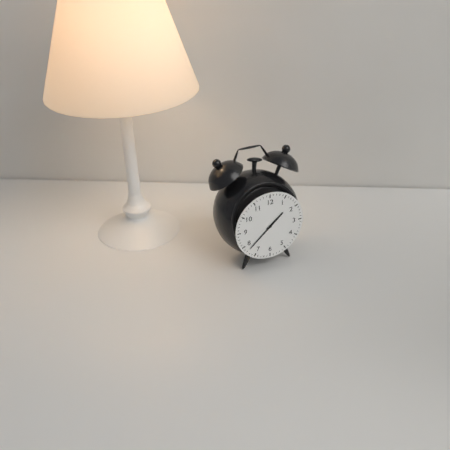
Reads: 1 h 38 min
